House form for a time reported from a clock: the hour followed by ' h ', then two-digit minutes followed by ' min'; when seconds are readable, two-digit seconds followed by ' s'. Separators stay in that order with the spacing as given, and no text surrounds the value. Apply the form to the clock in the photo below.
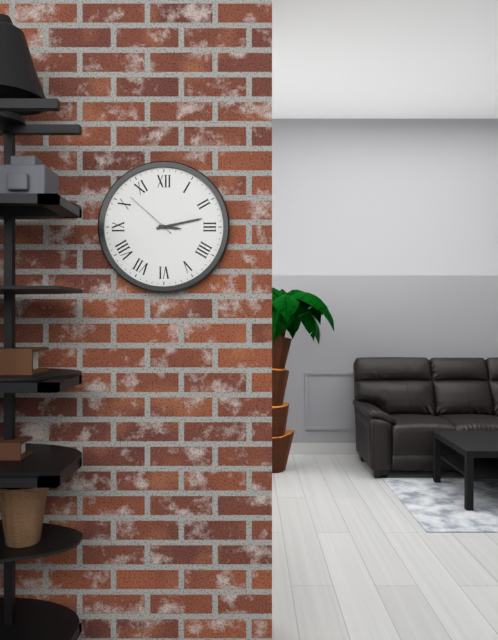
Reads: 3 h 13 min 52 s
